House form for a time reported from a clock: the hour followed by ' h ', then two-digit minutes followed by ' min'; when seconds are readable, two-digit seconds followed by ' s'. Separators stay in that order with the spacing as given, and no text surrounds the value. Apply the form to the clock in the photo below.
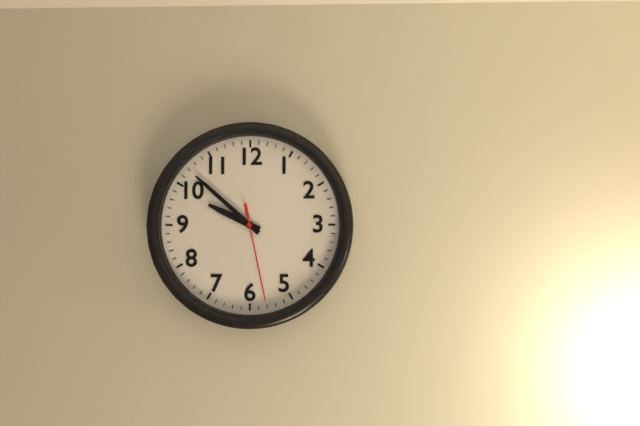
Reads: 9 h 52 min 28 s
